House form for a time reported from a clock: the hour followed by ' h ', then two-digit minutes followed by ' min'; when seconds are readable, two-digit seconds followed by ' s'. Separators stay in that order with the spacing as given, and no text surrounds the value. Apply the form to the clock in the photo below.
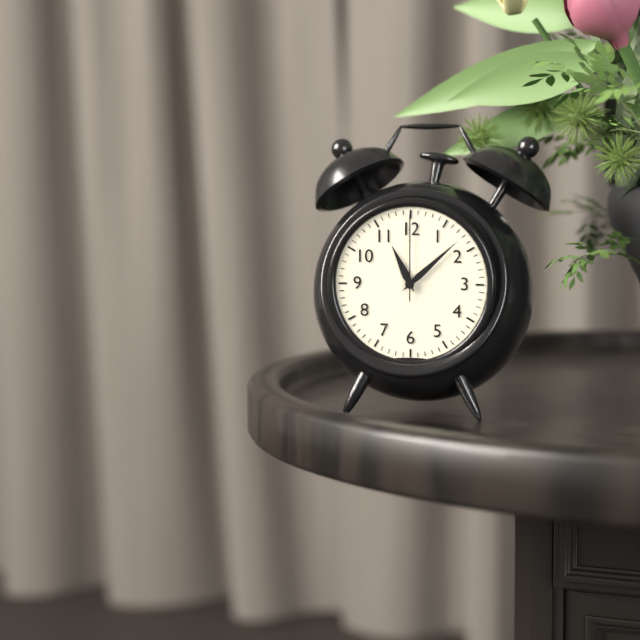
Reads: 11 h 08 min 00 s
